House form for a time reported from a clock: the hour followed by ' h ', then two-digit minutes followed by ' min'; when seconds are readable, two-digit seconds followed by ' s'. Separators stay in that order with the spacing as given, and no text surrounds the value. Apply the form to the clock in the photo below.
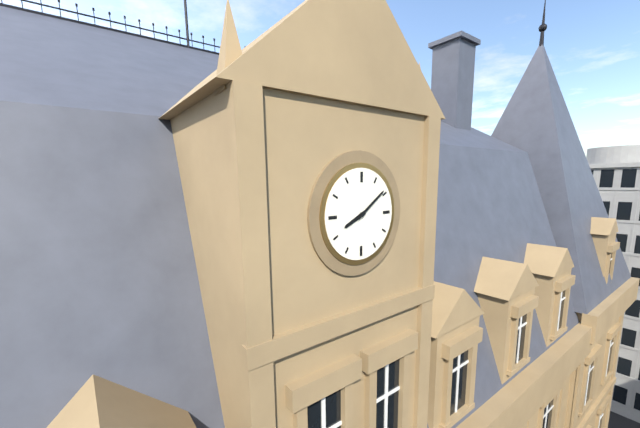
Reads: 8 h 09 min
